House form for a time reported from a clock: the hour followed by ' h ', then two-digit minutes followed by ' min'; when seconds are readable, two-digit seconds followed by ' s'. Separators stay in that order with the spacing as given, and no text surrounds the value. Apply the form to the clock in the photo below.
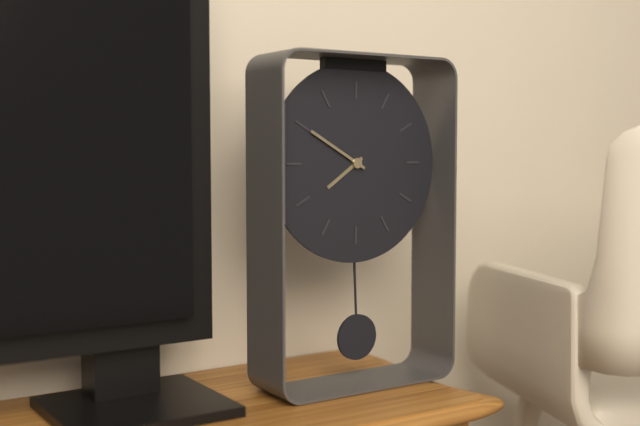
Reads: 7 h 50 min
